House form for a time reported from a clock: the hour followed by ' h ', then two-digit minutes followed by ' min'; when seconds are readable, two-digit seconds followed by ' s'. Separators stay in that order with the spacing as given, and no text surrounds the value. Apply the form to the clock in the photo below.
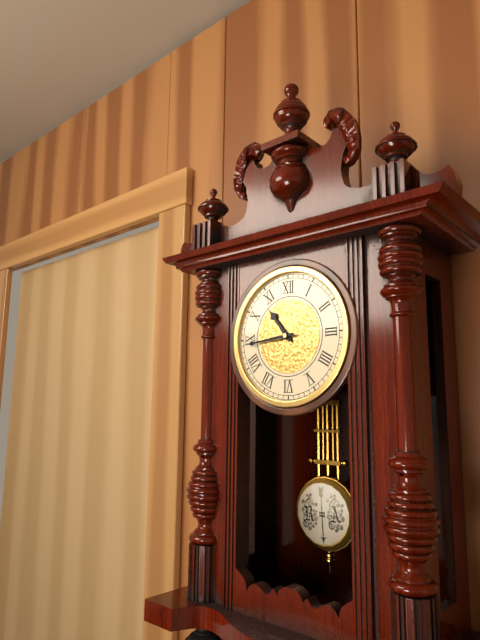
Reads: 10 h 44 min
